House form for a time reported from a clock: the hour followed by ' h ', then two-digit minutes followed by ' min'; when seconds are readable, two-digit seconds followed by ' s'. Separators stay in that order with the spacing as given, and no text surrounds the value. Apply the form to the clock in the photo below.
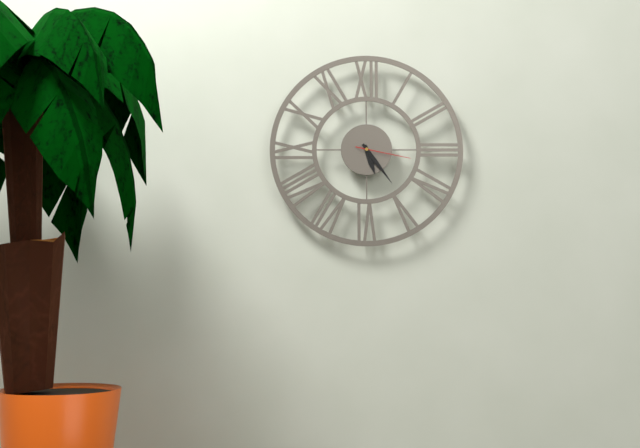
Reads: 5 h 24 min 17 s
